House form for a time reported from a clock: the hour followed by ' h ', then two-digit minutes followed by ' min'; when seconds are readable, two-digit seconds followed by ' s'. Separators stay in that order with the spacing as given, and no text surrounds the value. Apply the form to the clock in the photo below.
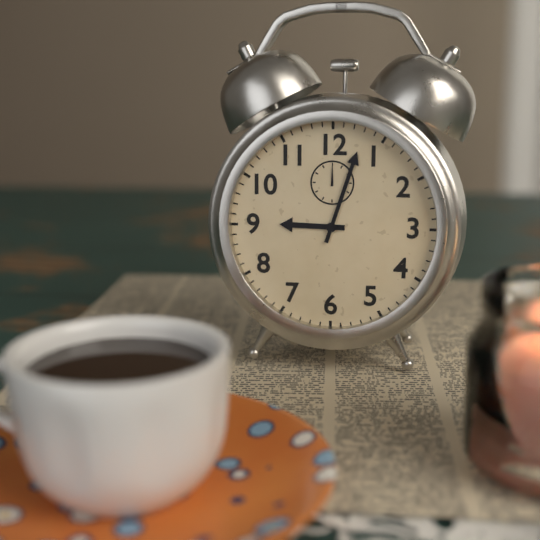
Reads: 9 h 03 min
